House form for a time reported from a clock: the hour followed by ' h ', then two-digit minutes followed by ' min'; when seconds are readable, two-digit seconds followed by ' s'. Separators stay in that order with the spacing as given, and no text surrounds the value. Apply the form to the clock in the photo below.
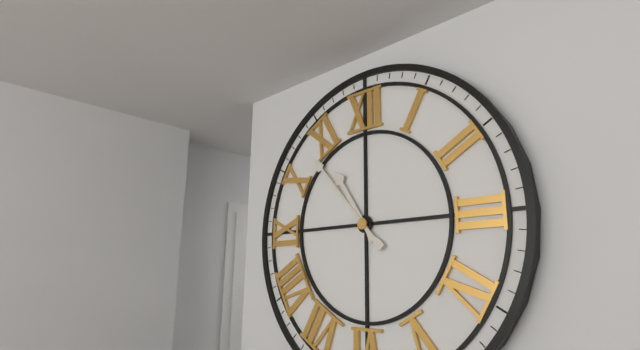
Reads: 10 h 53 min
